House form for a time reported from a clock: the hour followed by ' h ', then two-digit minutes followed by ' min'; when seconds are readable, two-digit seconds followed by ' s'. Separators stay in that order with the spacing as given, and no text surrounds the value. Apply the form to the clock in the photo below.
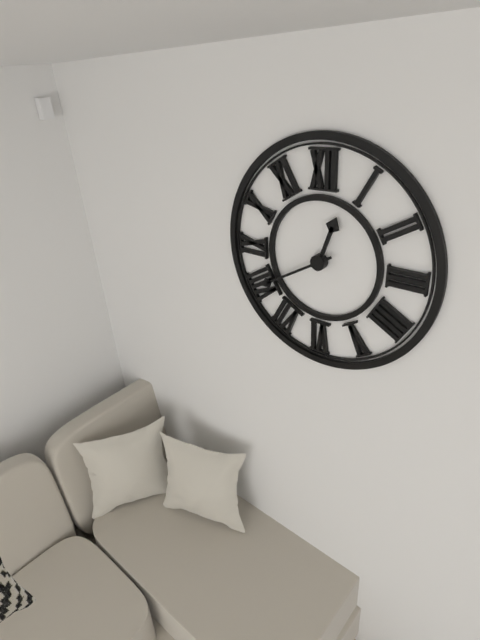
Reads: 12 h 40 min
